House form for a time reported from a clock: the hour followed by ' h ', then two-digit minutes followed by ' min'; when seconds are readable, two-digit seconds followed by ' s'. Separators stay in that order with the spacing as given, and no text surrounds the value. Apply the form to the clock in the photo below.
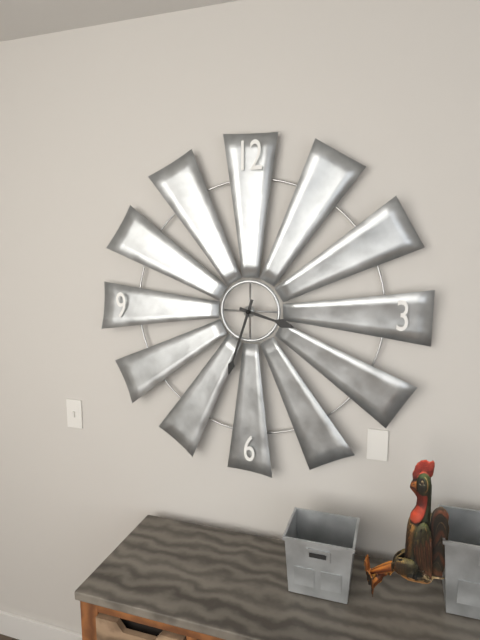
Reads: 3 h 33 min
